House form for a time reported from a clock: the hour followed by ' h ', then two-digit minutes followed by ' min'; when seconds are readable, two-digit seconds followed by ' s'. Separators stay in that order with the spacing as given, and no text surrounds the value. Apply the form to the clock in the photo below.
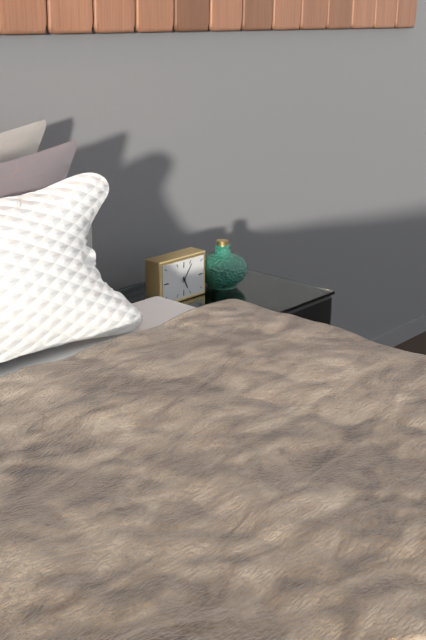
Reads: 5 h 06 min
